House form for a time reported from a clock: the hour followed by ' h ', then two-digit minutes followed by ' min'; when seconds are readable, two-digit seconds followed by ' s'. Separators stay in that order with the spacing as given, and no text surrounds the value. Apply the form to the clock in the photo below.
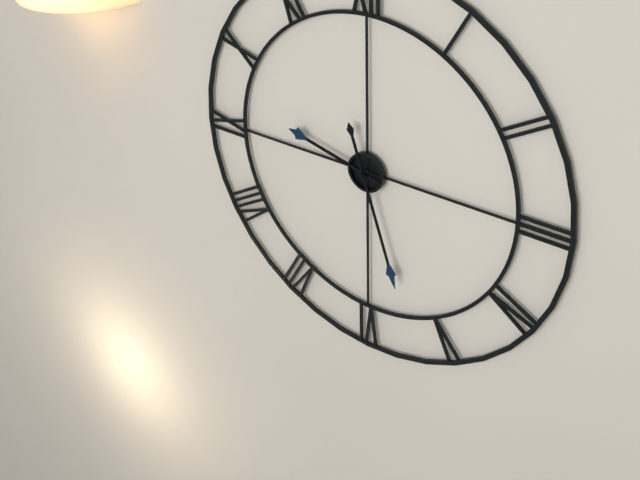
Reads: 9 h 27 min
